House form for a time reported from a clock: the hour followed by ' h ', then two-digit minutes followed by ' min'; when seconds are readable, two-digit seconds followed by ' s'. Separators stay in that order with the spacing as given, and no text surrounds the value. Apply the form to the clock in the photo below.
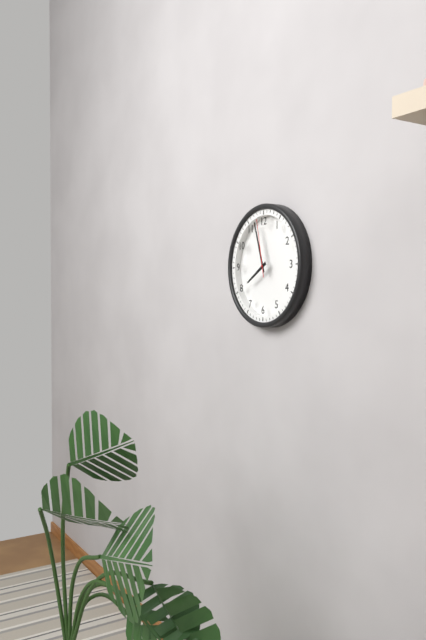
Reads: 7 h 57 min 58 s
